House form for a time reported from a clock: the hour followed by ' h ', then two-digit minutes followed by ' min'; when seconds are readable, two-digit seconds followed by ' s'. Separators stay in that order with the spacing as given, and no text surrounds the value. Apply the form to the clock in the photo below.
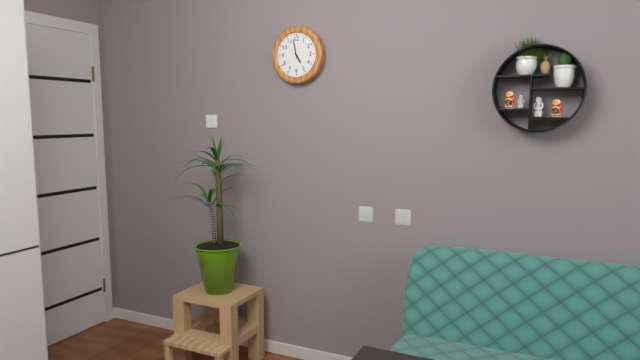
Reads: 4 h 58 min
